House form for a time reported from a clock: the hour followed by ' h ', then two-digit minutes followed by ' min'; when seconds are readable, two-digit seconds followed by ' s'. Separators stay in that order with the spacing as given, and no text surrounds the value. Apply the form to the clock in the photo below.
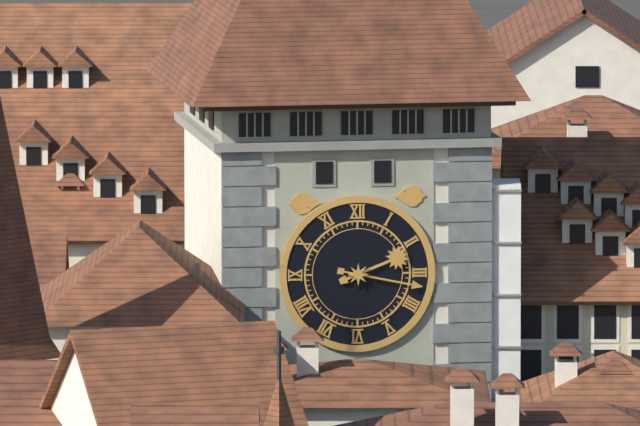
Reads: 2 h 17 min
